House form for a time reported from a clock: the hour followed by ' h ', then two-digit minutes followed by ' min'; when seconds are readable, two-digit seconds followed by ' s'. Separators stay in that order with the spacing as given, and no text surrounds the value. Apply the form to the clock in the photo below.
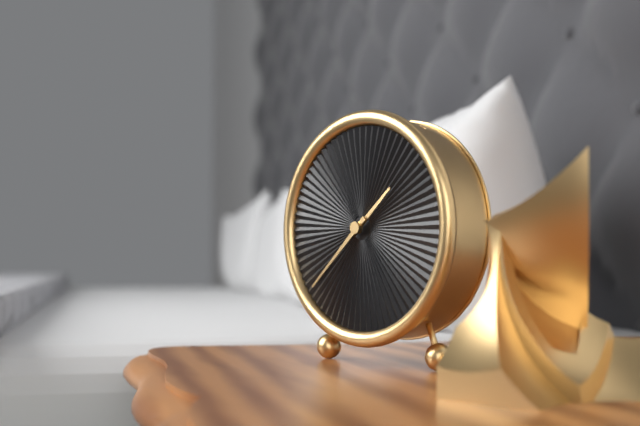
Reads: 1 h 38 min
